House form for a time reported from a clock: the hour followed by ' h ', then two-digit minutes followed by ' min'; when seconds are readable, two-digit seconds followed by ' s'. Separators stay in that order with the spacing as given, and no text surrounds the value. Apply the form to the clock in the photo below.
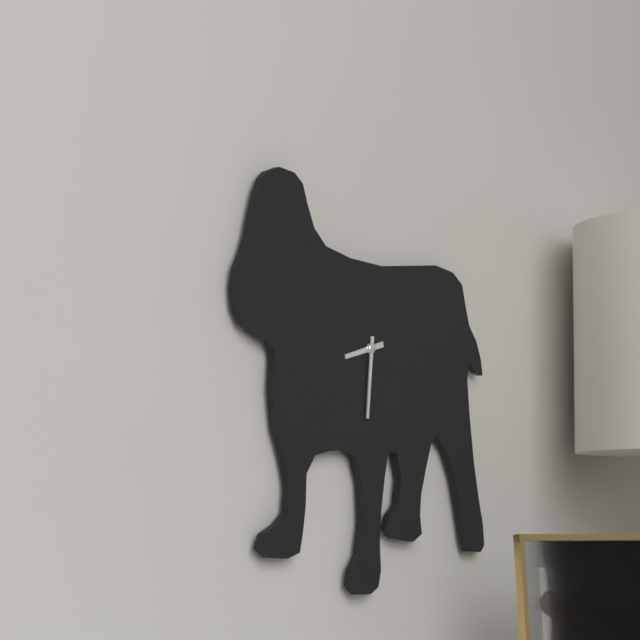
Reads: 8 h 31 min
